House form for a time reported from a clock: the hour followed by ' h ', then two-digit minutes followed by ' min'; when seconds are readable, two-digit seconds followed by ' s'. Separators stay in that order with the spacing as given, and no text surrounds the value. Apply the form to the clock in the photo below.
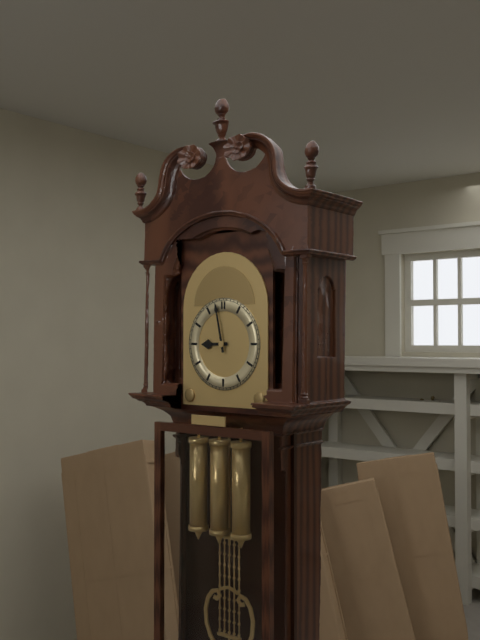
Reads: 8 h 58 min
